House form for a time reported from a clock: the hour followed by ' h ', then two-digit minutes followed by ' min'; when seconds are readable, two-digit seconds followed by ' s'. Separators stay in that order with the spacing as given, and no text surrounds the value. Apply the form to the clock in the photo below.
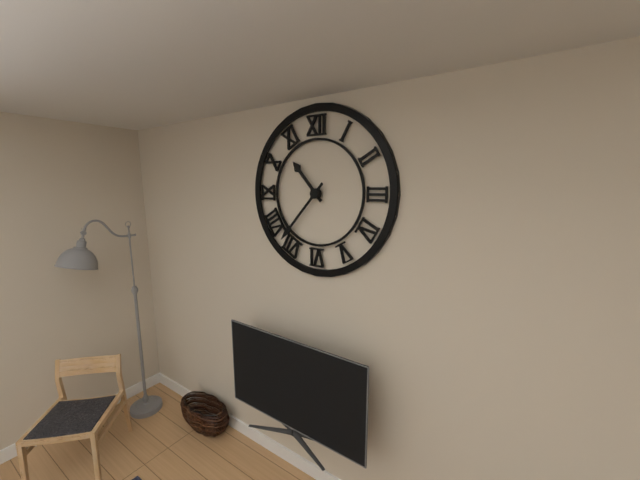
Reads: 10 h 37 min
